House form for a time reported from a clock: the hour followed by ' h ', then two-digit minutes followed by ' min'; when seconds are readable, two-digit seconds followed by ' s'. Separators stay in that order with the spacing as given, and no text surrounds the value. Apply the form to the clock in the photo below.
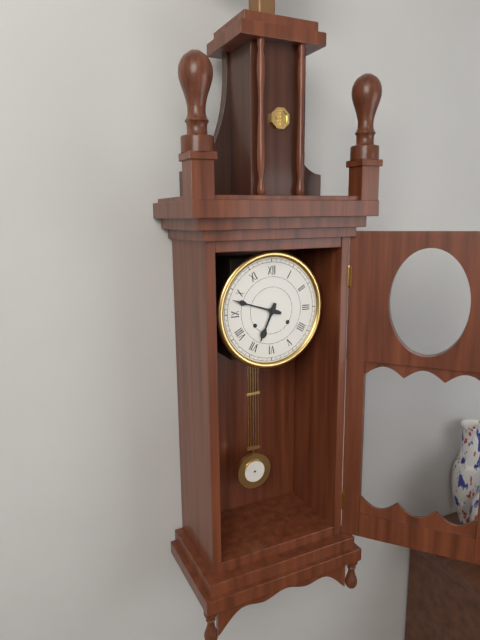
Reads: 6 h 48 min
